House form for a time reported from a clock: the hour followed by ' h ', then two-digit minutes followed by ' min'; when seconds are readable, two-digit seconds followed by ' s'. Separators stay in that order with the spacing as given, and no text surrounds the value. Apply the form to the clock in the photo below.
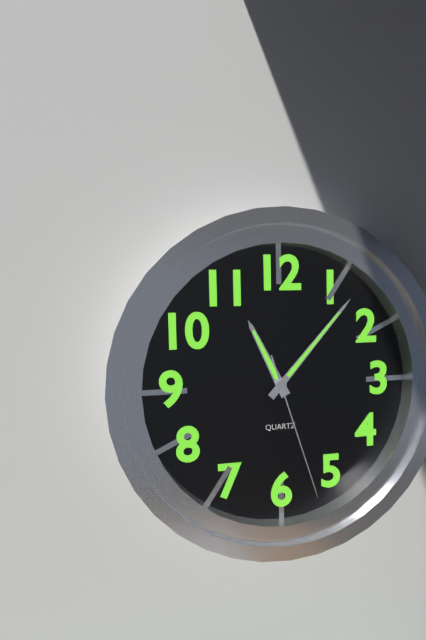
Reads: 11 h 07 min 27 s
